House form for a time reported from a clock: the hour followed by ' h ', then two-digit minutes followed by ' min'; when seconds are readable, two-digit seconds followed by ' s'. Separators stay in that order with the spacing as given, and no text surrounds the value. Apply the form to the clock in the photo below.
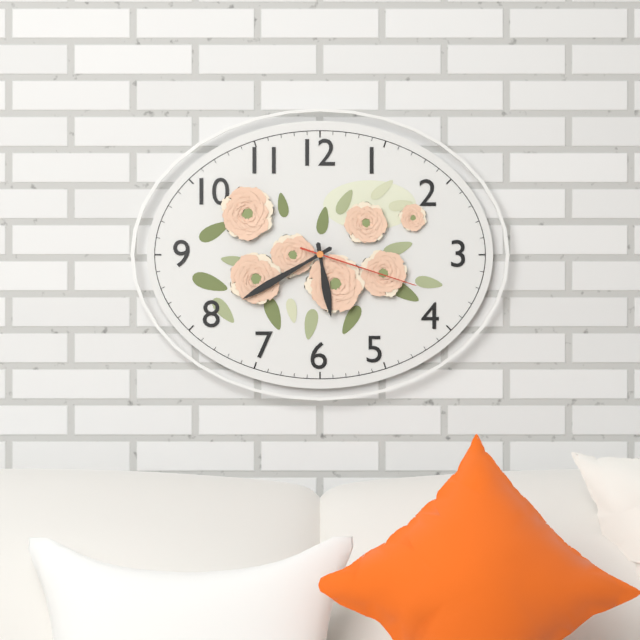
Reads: 5 h 40 min 18 s
